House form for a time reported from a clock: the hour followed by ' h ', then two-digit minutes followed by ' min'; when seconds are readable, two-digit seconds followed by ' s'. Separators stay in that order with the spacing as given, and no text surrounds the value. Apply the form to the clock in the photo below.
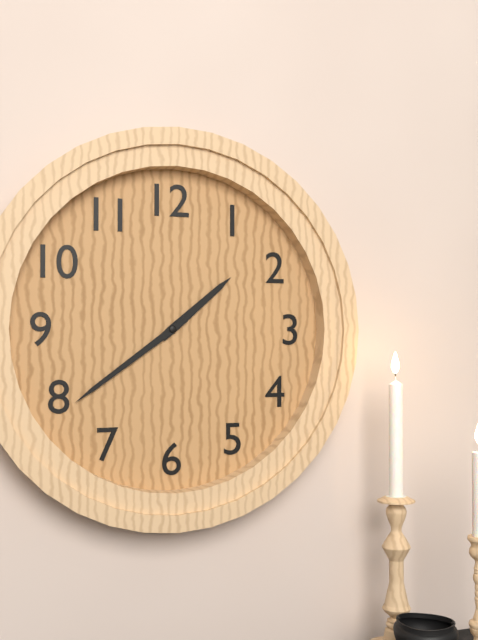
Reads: 1 h 39 min
